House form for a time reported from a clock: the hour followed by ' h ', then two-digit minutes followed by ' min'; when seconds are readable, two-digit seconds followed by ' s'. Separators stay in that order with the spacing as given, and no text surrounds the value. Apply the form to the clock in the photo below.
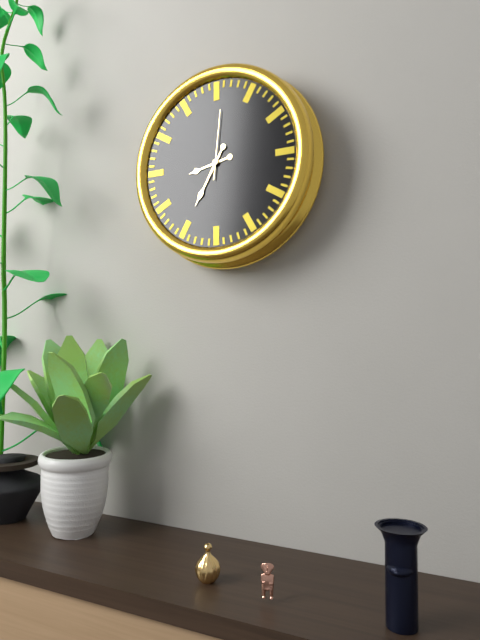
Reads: 8 h 35 min 01 s
